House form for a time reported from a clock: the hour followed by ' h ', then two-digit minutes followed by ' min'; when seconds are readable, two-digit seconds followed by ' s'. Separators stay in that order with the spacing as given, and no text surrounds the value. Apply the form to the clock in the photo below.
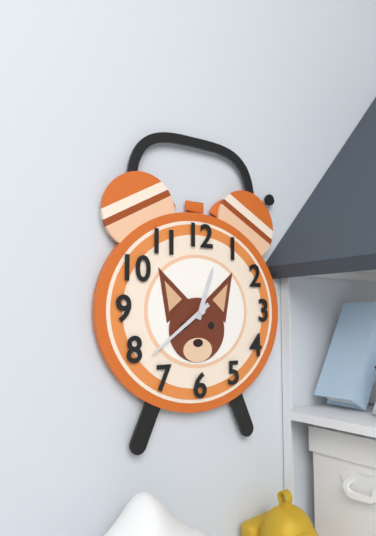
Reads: 12 h 39 min
